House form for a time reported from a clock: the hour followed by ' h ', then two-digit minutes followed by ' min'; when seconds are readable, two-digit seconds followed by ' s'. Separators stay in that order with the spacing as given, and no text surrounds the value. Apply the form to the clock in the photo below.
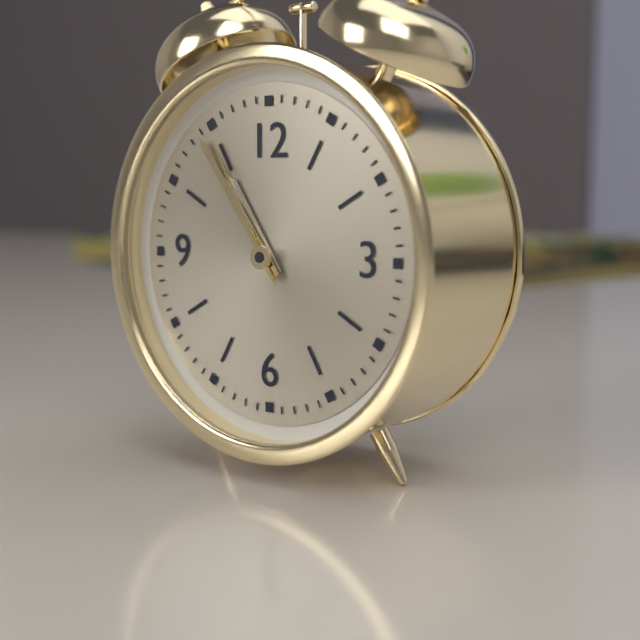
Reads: 10 h 54 min 55 s
